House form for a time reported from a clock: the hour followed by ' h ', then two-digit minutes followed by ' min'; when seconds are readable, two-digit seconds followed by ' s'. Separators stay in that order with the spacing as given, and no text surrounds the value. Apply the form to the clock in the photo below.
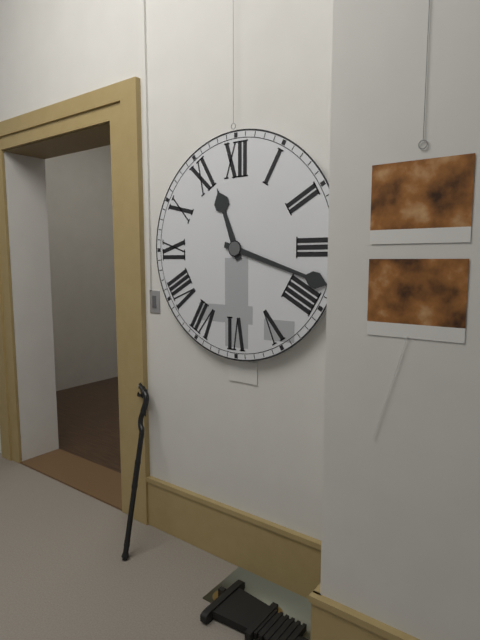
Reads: 11 h 18 min
